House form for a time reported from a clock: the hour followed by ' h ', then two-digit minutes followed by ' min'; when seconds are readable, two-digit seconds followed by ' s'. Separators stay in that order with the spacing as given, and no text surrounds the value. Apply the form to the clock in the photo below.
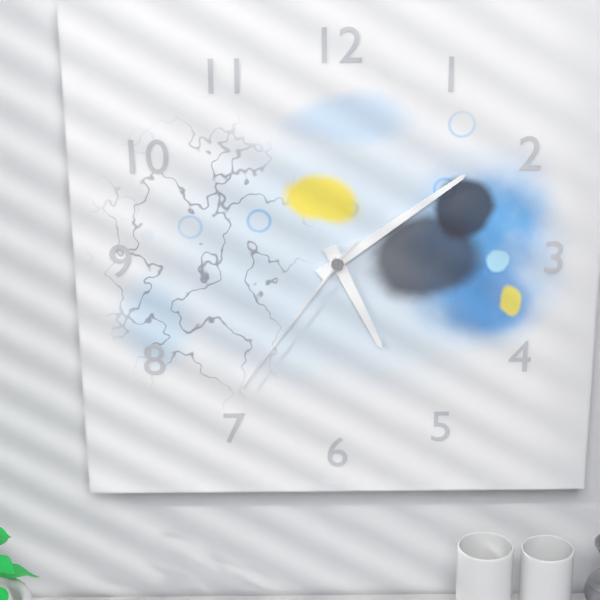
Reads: 5 h 09 min 36 s
